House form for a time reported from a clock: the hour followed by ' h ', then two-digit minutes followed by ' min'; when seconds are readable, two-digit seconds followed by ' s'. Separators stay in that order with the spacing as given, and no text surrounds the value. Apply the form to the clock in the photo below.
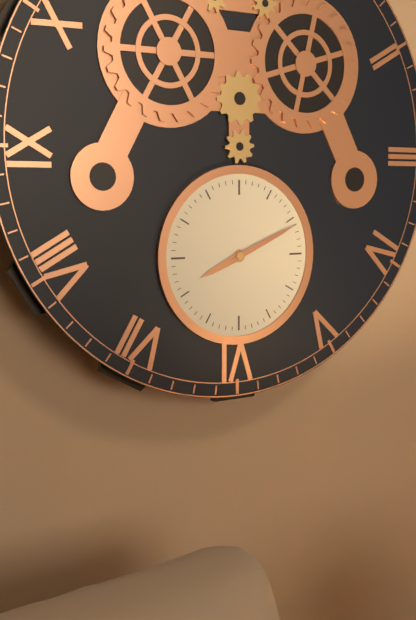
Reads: 8 h 11 min
